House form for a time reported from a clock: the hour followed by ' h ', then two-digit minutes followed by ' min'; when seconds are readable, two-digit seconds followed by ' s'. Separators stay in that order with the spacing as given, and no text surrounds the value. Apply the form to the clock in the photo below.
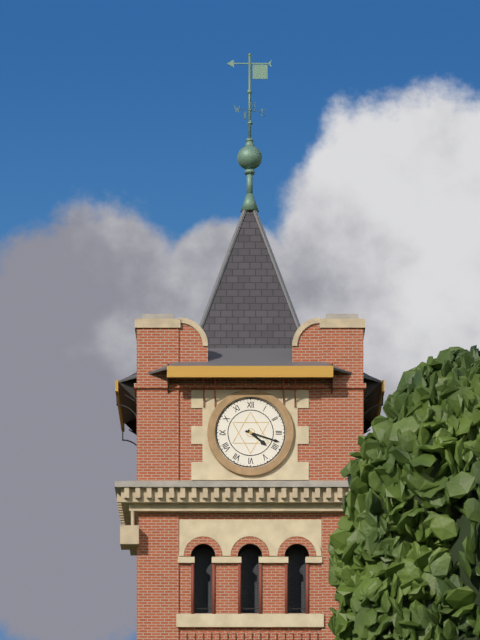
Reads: 4 h 18 min
